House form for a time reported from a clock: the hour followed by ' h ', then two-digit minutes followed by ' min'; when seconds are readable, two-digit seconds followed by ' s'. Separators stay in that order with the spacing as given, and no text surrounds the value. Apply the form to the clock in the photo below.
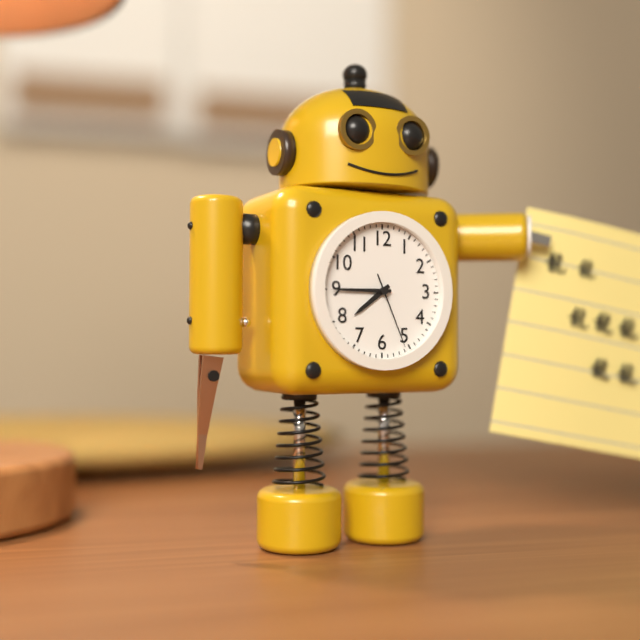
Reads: 7 h 45 min 26 s
